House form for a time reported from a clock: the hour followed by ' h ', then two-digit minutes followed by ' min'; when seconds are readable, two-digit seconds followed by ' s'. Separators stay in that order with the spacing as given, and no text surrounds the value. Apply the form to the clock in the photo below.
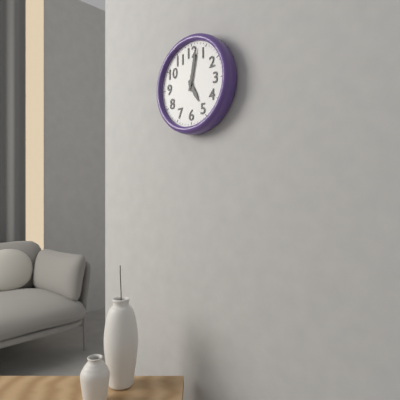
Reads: 5 h 02 min
